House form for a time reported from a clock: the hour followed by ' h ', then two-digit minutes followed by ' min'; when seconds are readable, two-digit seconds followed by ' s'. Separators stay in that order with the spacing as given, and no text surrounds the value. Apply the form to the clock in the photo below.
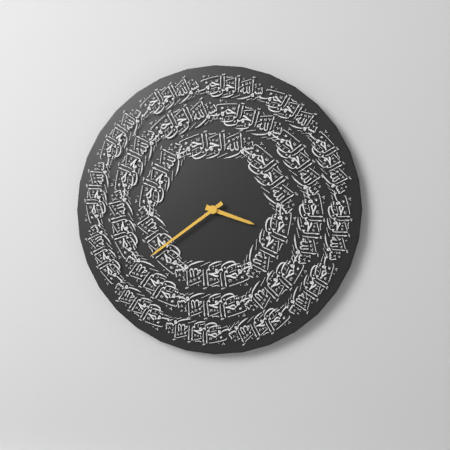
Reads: 3 h 39 min
